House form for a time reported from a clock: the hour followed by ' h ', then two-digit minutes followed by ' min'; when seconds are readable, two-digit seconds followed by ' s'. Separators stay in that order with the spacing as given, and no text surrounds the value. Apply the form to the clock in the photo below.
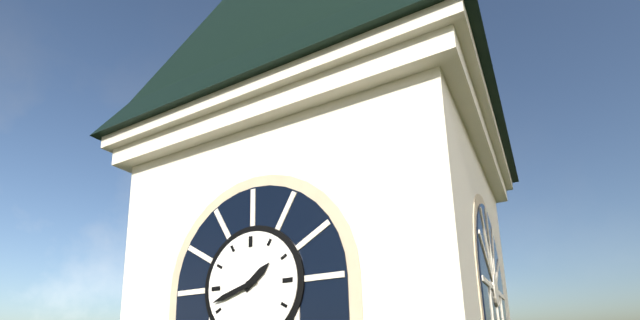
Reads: 1 h 42 min
